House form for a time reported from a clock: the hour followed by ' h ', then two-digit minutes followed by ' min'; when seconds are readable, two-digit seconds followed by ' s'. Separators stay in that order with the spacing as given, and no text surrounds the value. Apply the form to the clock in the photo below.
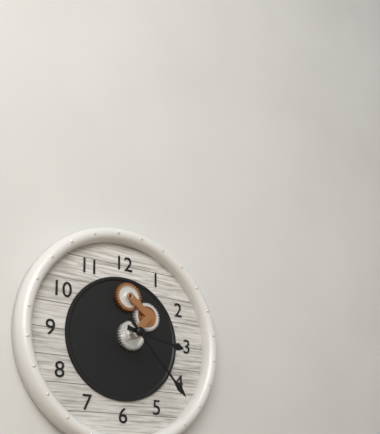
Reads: 3 h 23 min
